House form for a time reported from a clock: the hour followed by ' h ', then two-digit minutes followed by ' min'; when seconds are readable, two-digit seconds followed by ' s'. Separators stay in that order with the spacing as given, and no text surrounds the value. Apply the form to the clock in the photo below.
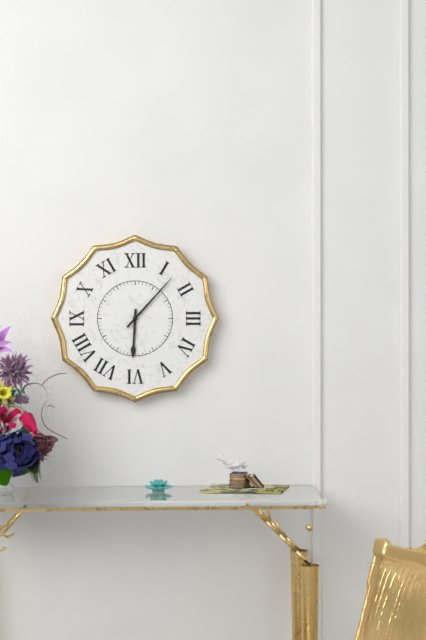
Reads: 6 h 07 min
